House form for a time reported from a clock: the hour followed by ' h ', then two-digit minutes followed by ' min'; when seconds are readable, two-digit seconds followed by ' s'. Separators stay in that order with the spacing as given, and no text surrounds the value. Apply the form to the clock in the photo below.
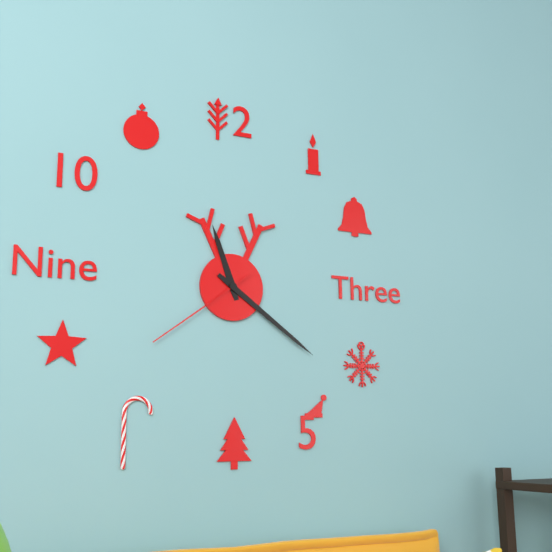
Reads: 11 h 21 min 39 s
